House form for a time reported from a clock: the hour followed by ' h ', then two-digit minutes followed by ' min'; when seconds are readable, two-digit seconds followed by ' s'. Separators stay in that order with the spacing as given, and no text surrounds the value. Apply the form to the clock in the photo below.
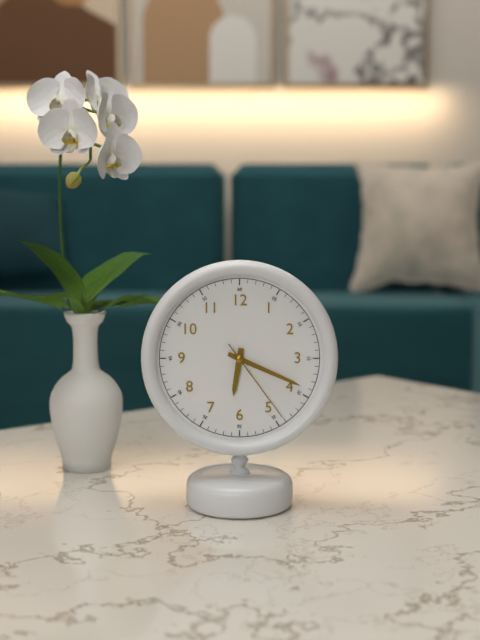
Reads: 6 h 19 min 24 s
